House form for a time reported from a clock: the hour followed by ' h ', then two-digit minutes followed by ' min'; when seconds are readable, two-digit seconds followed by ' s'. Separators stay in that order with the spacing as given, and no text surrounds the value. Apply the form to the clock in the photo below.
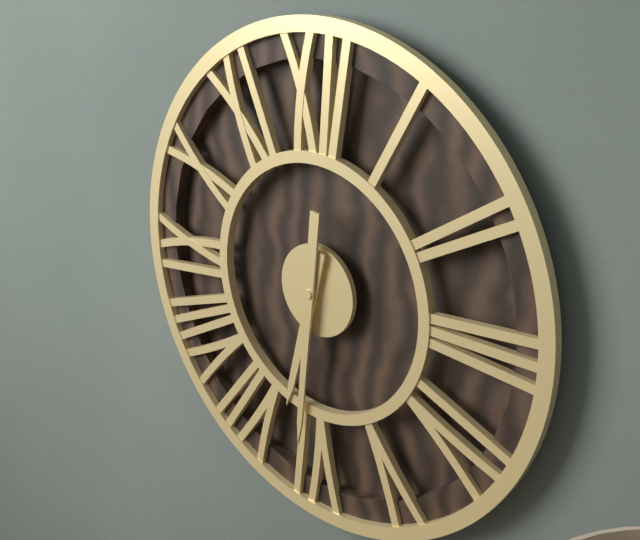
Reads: 6 h 31 min
